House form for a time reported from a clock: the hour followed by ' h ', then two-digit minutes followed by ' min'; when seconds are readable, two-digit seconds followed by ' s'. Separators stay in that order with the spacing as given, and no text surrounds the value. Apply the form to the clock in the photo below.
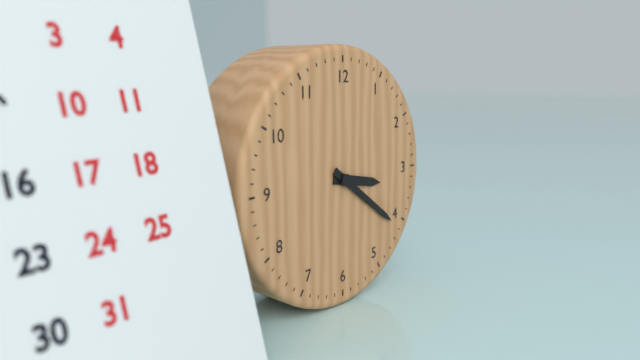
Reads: 3 h 21 min
